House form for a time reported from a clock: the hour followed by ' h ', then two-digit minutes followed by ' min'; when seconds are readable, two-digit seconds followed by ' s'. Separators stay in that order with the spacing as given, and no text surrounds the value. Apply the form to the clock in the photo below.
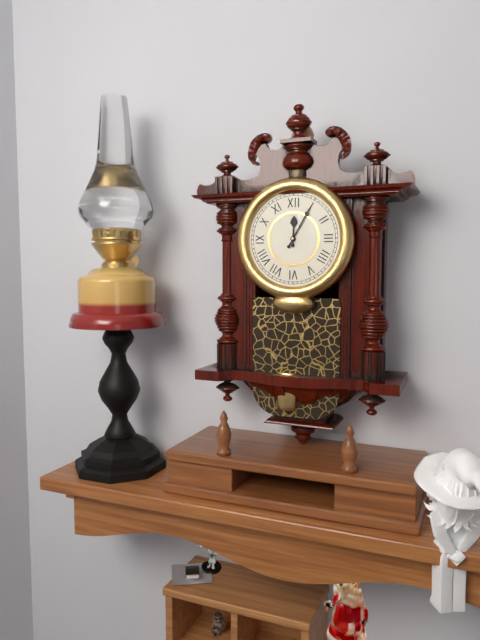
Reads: 12 h 05 min
